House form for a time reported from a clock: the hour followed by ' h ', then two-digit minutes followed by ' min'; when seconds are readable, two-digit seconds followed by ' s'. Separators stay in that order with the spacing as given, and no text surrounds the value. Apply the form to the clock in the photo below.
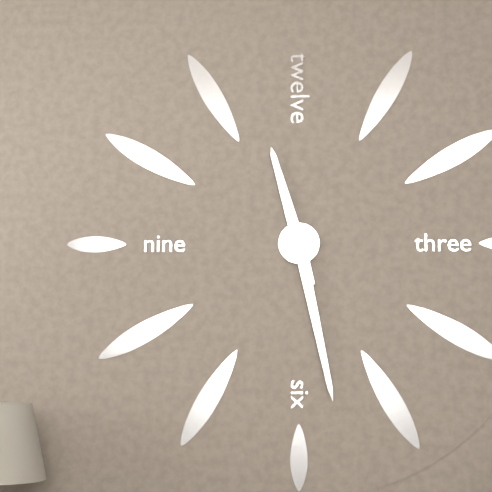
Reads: 11 h 28 min
